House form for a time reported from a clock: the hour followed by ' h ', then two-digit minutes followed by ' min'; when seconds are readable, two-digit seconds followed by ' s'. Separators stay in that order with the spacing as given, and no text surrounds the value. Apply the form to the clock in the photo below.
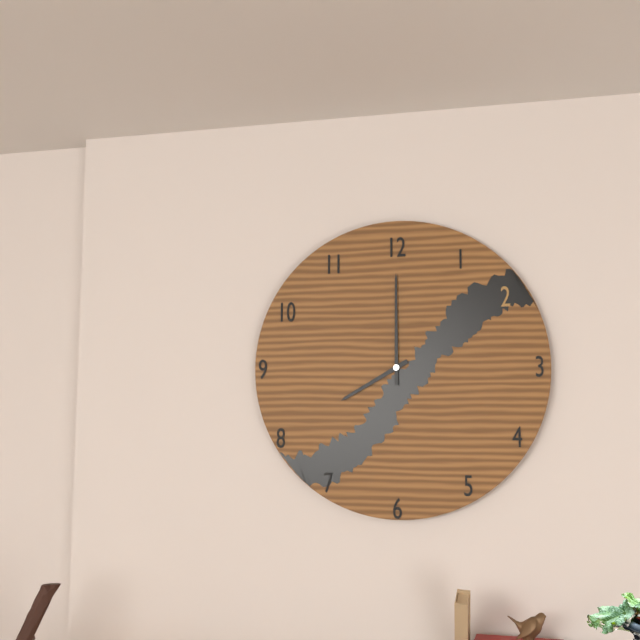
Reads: 8 h 00 min
